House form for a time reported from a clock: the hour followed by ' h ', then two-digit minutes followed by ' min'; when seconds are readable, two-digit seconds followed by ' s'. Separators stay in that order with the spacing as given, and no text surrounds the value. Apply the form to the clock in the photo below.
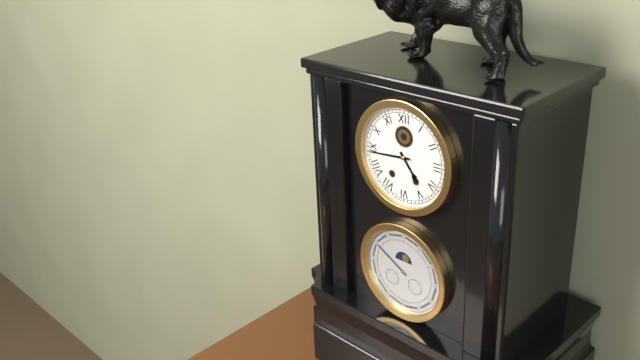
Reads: 4 h 44 min
